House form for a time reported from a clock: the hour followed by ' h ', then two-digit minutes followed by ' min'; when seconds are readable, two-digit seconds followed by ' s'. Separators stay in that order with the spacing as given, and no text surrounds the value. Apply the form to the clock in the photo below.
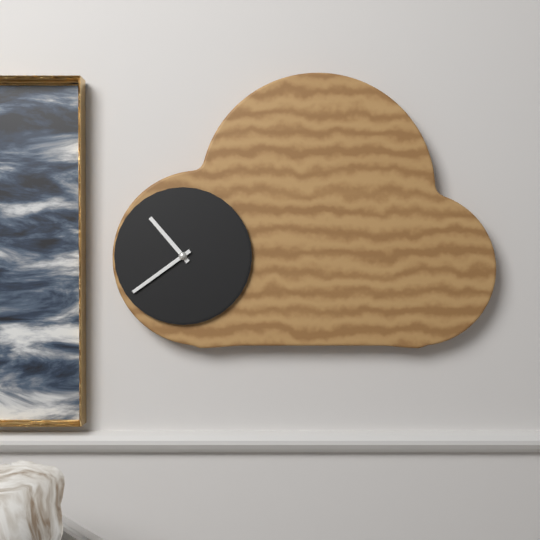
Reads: 10 h 39 min
